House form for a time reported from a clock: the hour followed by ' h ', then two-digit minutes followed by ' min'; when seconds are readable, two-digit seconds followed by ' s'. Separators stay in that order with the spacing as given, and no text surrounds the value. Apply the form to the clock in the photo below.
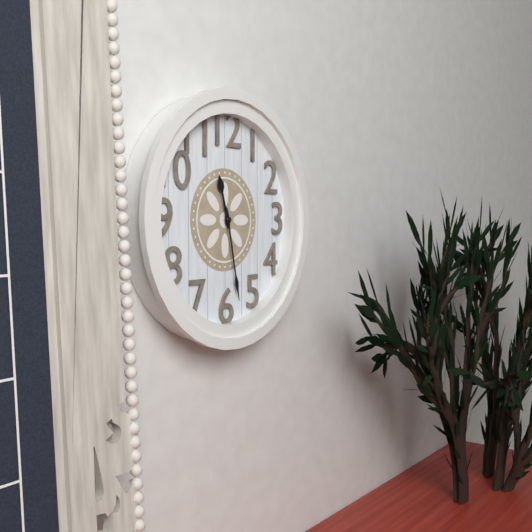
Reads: 11 h 28 min
